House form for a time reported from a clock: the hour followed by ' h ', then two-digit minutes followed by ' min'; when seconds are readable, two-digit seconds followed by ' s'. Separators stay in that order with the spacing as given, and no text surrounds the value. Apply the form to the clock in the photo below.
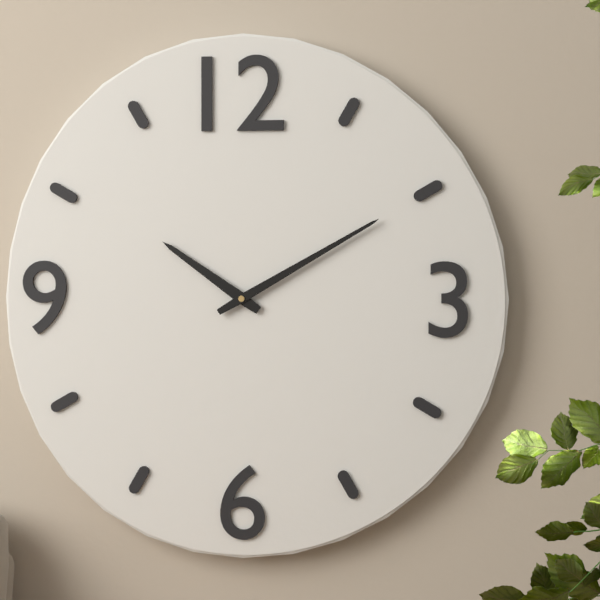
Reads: 10 h 10 min
